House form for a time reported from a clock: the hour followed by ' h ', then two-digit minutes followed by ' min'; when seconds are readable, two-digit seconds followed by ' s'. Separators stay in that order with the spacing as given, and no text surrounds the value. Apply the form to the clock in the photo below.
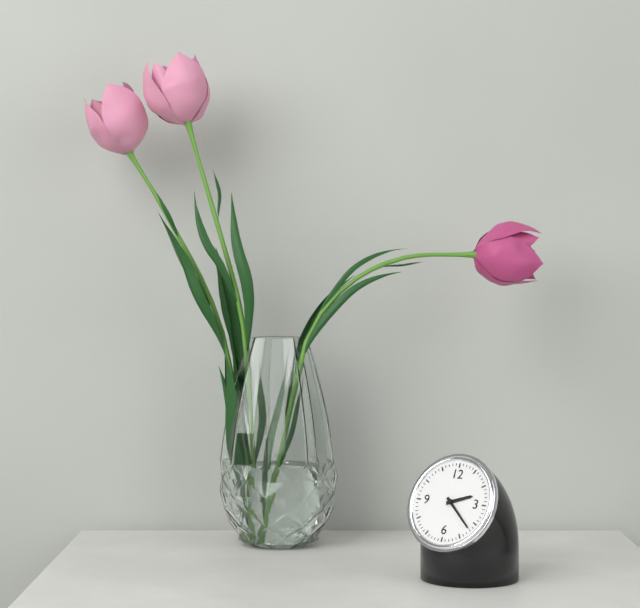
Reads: 2 h 22 min
